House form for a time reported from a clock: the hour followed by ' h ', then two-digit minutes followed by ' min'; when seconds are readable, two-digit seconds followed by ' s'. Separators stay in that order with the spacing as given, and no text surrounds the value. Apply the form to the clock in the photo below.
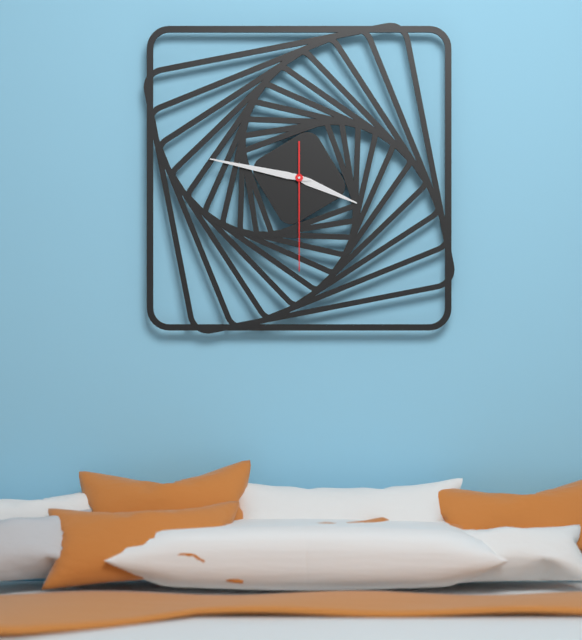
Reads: 3 h 47 min 30 s
